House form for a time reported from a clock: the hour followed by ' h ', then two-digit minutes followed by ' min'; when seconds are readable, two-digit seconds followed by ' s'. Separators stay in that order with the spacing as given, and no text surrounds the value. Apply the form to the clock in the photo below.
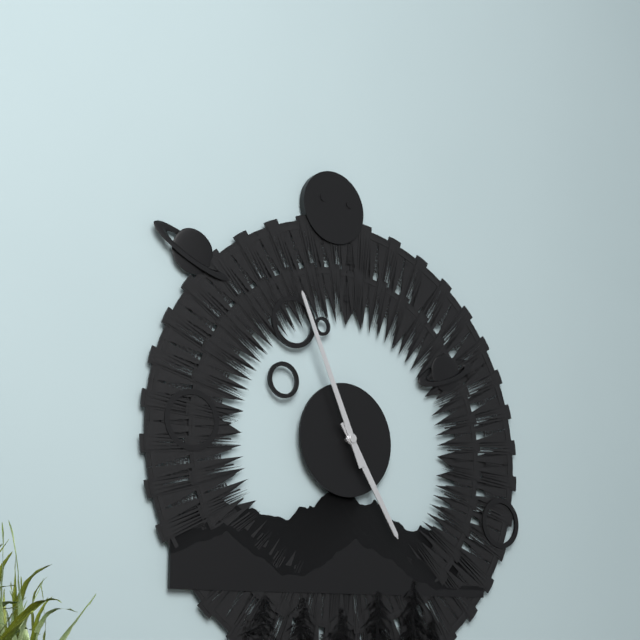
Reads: 4 h 56 min
